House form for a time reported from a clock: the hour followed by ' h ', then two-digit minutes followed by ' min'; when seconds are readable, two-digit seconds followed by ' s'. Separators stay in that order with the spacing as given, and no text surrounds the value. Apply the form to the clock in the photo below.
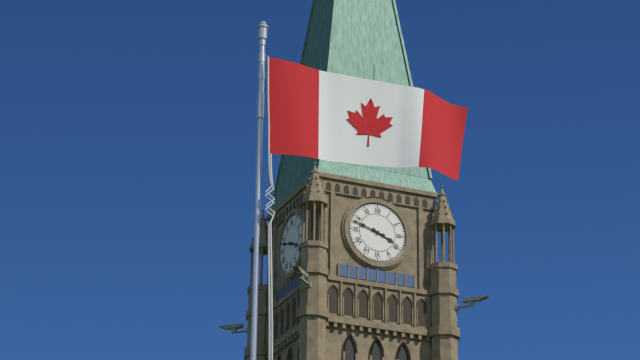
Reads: 3 h 48 min
